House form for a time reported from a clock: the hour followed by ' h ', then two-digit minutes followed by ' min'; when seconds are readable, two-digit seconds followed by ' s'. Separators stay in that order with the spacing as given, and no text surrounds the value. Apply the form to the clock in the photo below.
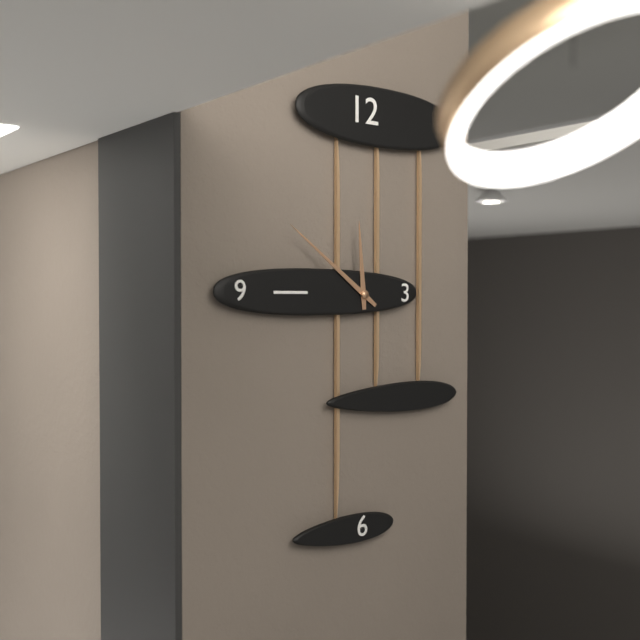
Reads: 11 h 51 min
